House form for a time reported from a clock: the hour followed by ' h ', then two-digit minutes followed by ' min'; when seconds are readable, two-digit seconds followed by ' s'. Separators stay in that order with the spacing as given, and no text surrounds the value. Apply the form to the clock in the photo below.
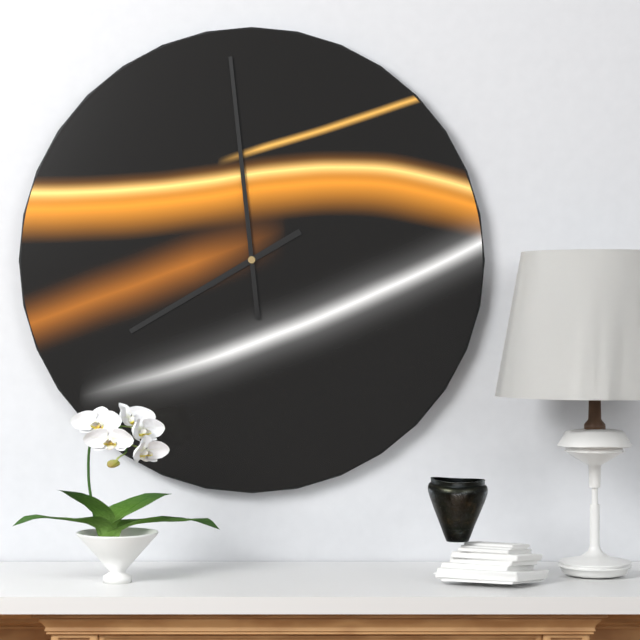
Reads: 7 h 59 min
